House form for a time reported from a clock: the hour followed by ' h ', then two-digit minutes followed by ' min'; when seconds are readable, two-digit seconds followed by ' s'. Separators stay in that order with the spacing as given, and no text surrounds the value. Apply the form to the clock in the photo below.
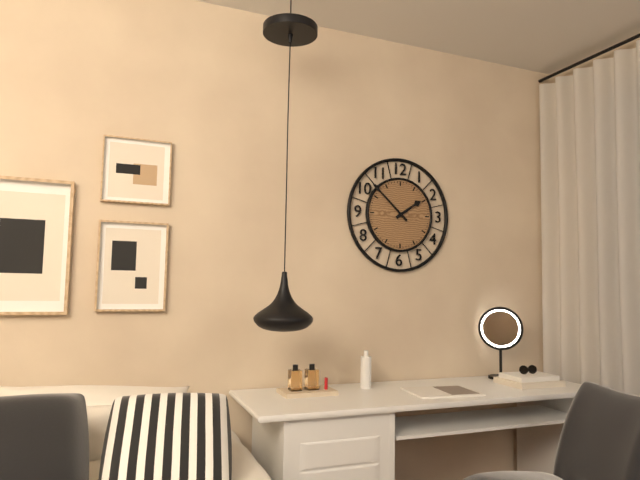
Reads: 1 h 52 min
